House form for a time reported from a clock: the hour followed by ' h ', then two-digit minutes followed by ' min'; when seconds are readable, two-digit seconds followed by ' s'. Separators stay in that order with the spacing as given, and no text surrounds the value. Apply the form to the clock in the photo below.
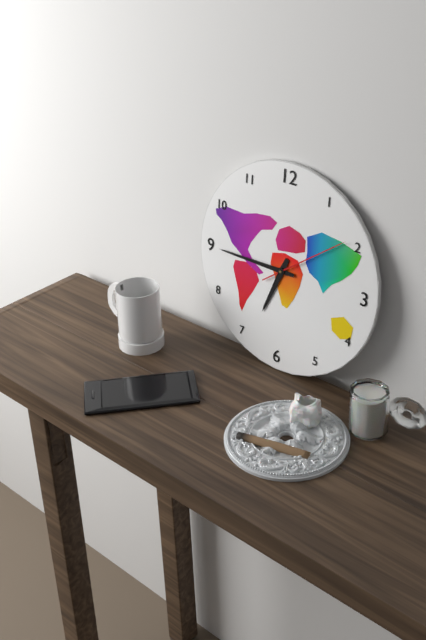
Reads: 6 h 45 min 09 s
